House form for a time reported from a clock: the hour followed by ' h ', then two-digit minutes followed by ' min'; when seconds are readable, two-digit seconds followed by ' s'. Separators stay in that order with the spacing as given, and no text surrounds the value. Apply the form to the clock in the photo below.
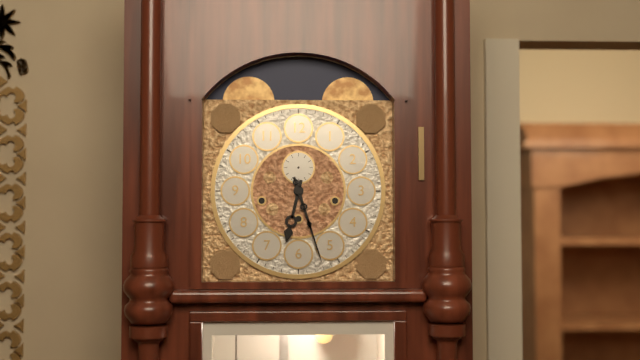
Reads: 6 h 27 min
